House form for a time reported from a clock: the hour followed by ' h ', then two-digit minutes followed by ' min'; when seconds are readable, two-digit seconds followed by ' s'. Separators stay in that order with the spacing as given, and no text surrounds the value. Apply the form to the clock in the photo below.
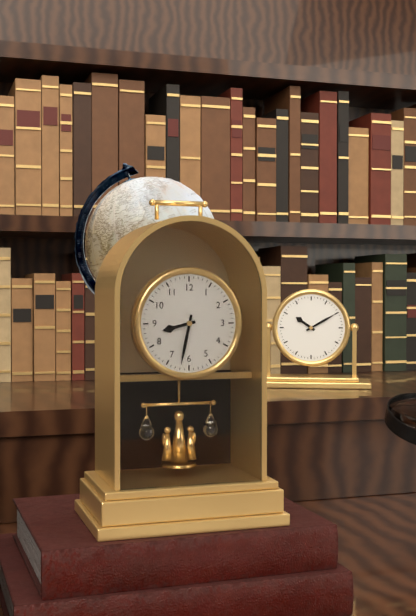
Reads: 8 h 32 min
